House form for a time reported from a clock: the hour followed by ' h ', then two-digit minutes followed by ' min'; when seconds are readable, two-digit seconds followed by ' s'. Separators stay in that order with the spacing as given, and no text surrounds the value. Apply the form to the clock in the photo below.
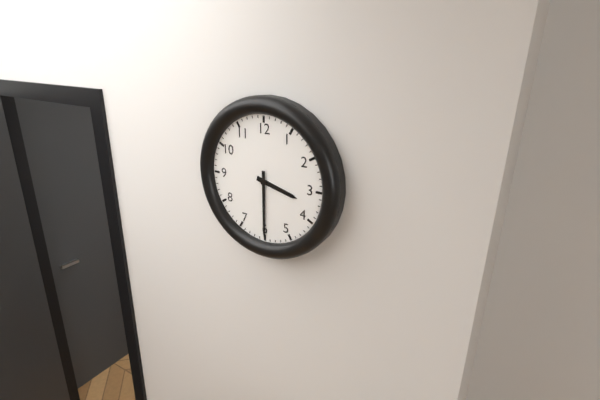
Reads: 3 h 30 min
